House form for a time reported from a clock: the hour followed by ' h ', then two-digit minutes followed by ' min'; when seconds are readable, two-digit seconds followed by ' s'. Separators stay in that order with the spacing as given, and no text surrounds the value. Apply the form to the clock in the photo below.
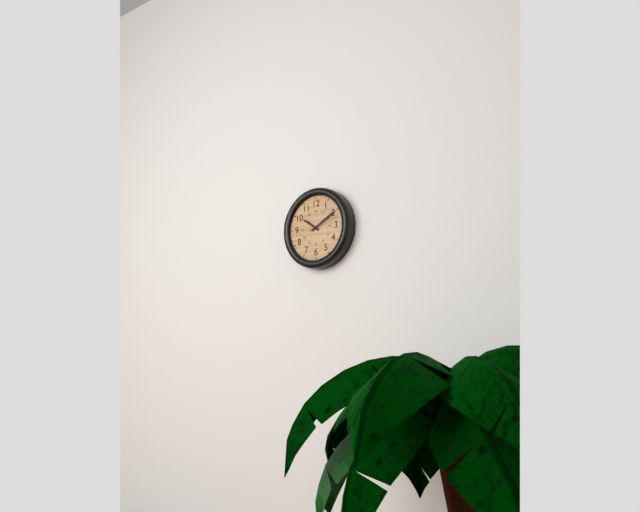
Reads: 10 h 10 min
